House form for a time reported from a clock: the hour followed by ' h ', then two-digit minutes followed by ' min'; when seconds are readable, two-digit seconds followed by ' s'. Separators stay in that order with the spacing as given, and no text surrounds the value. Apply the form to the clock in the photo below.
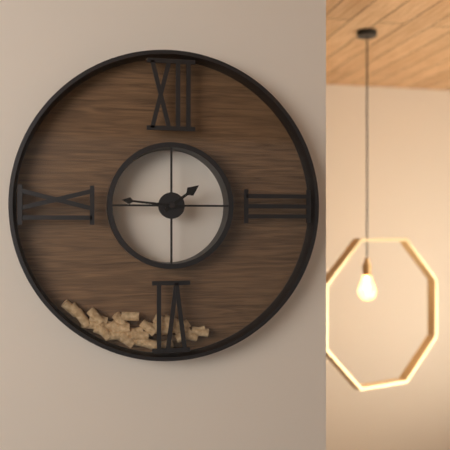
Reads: 1 h 46 min
